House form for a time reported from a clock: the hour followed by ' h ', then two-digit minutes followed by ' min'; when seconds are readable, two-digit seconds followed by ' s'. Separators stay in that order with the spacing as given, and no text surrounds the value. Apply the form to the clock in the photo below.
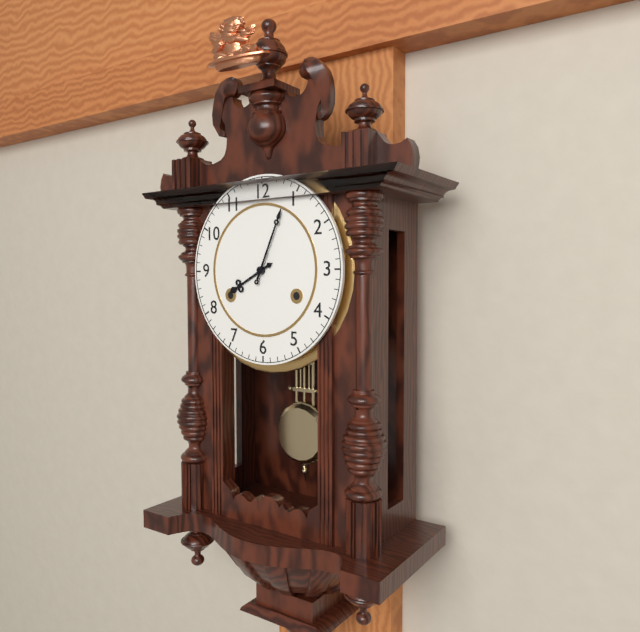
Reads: 8 h 04 min
